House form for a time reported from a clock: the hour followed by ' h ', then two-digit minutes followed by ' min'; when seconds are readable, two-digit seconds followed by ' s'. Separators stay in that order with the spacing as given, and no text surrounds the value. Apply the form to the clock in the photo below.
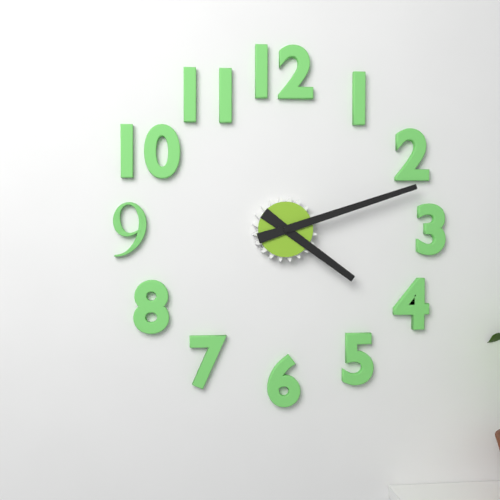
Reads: 4 h 12 min
